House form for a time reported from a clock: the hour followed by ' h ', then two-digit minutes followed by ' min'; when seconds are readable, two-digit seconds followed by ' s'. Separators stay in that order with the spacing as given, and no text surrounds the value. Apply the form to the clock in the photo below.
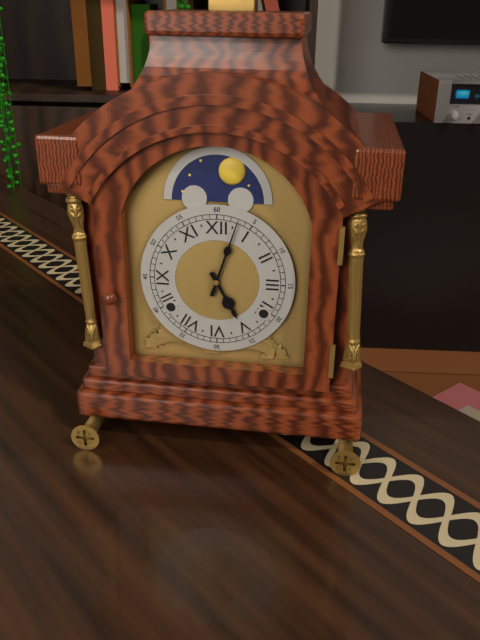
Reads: 5 h 03 min
